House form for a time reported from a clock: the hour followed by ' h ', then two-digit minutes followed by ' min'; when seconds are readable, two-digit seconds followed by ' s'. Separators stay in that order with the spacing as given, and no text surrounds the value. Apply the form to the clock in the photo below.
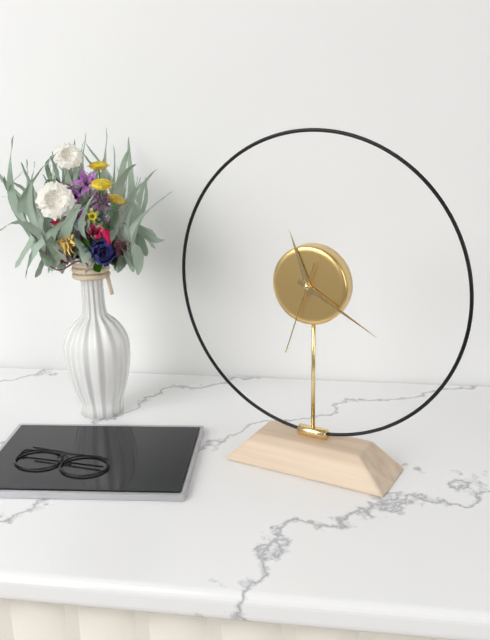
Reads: 11 h 20 min 33 s
